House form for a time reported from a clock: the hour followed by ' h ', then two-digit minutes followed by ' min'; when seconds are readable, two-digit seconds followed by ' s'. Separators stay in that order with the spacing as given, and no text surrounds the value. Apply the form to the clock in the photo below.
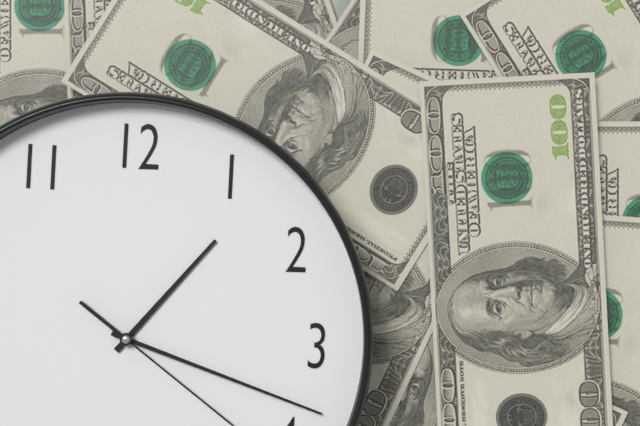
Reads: 1 h 18 min
